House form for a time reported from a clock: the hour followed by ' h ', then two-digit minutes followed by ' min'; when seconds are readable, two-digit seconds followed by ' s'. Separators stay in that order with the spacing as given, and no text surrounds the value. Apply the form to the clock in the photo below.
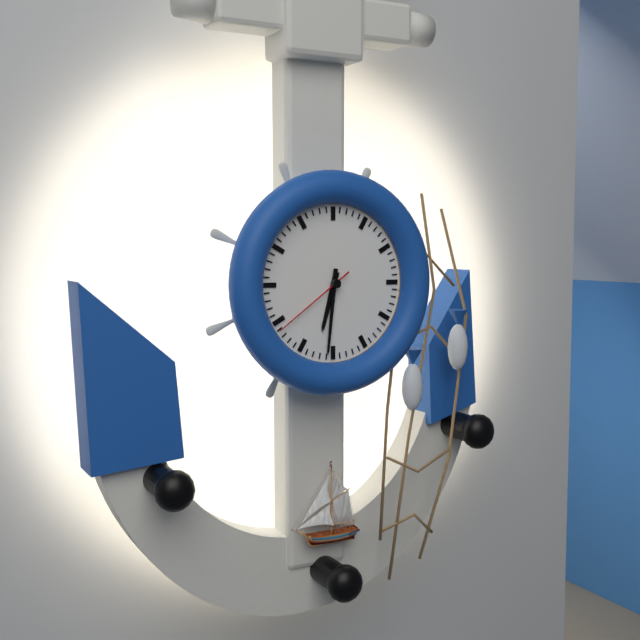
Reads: 6 h 31 min 39 s
